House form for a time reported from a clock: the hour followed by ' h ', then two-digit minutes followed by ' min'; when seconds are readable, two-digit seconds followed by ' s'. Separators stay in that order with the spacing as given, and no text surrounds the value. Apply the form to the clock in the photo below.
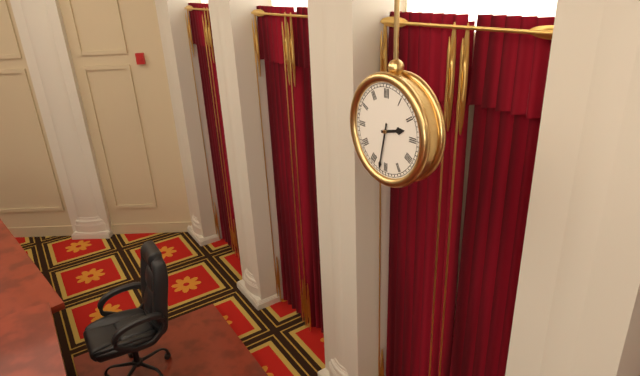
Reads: 2 h 32 min
